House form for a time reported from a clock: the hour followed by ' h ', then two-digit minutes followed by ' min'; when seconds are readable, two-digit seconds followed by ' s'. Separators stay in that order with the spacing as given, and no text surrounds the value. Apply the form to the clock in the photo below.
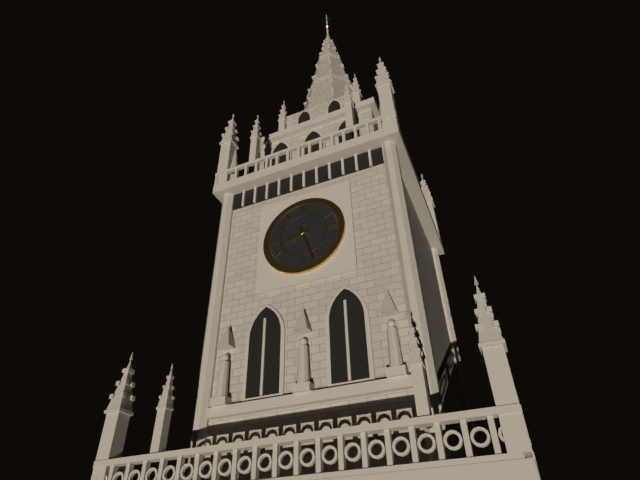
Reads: 8 h 27 min
